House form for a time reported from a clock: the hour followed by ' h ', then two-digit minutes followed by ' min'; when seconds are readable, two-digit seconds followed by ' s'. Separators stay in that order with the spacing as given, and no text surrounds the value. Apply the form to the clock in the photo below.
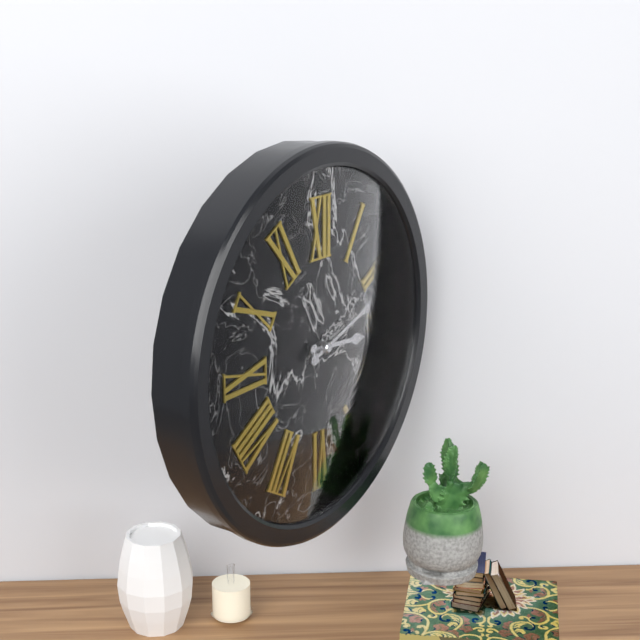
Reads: 3 h 12 min
